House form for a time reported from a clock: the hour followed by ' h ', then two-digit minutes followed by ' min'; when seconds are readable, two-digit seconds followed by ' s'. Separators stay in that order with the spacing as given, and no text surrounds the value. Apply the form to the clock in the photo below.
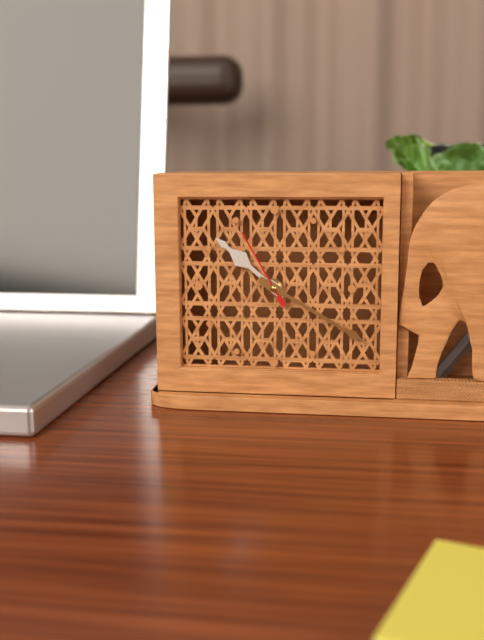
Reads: 10 h 20 min 55 s
